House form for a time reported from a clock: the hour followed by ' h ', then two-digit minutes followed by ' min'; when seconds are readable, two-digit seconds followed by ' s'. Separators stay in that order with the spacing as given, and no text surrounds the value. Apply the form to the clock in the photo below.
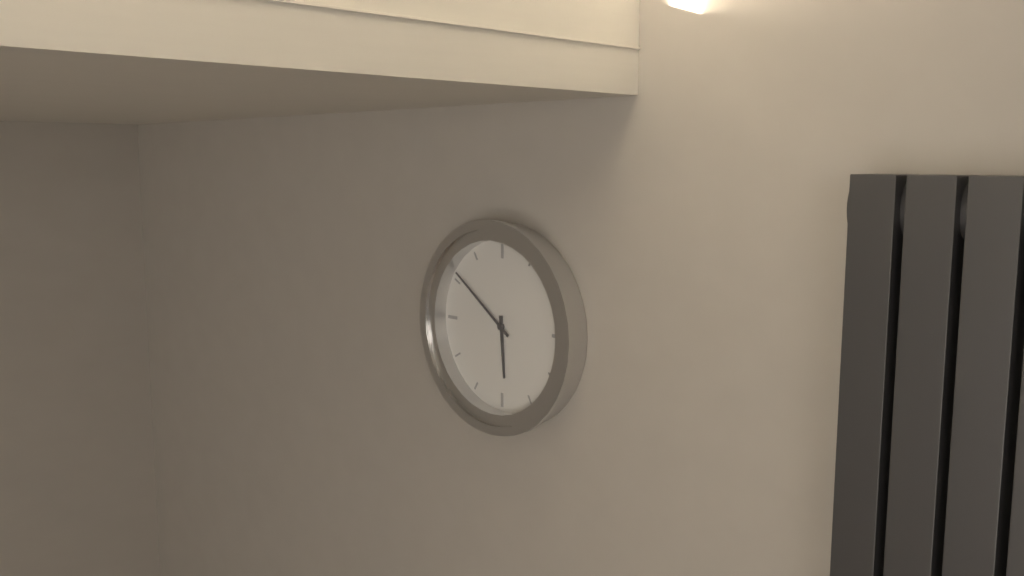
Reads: 5 h 51 min
